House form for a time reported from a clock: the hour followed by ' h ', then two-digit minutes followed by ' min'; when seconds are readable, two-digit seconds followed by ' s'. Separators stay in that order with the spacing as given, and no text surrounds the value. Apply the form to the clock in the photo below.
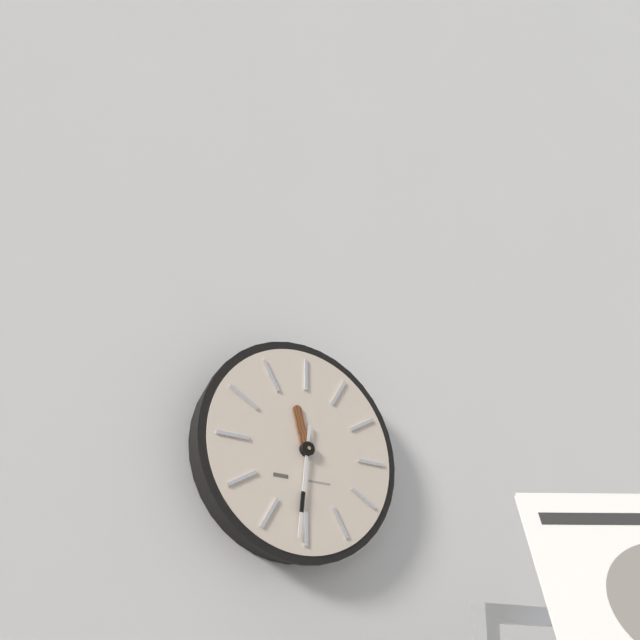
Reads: 11 h 31 min
